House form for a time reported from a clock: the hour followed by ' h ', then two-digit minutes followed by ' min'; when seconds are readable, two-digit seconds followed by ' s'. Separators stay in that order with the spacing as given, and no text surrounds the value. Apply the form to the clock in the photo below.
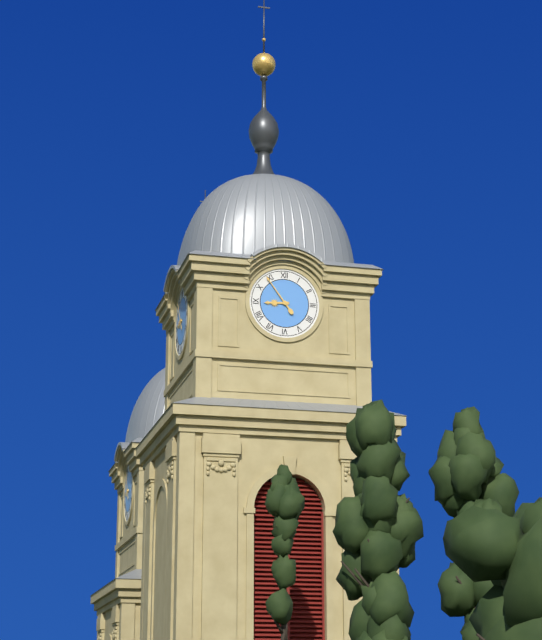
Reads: 8 h 54 min
